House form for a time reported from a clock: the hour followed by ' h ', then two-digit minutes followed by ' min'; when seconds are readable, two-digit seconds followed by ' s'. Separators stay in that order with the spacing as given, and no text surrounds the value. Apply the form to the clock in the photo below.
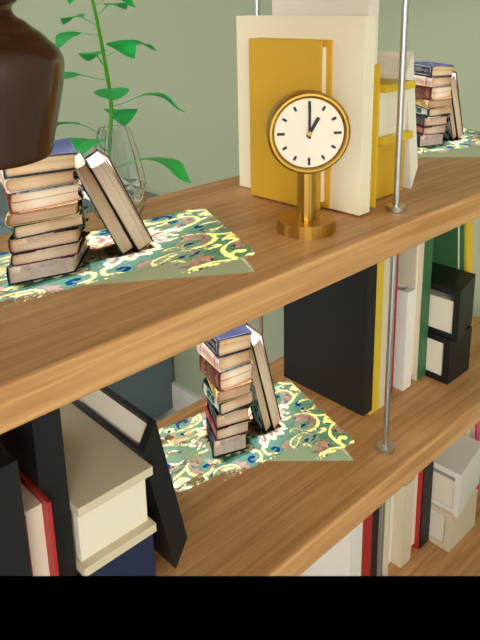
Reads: 1 h 00 min
